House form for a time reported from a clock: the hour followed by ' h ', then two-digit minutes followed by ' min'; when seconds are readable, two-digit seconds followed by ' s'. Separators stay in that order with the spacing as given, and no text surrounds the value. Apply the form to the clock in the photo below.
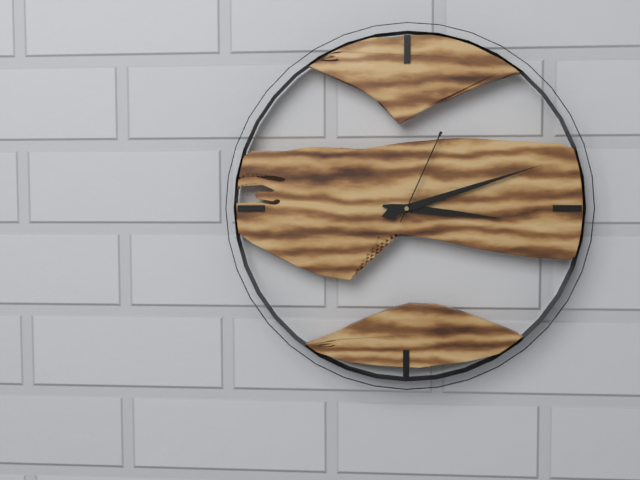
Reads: 3 h 12 min 04 s
